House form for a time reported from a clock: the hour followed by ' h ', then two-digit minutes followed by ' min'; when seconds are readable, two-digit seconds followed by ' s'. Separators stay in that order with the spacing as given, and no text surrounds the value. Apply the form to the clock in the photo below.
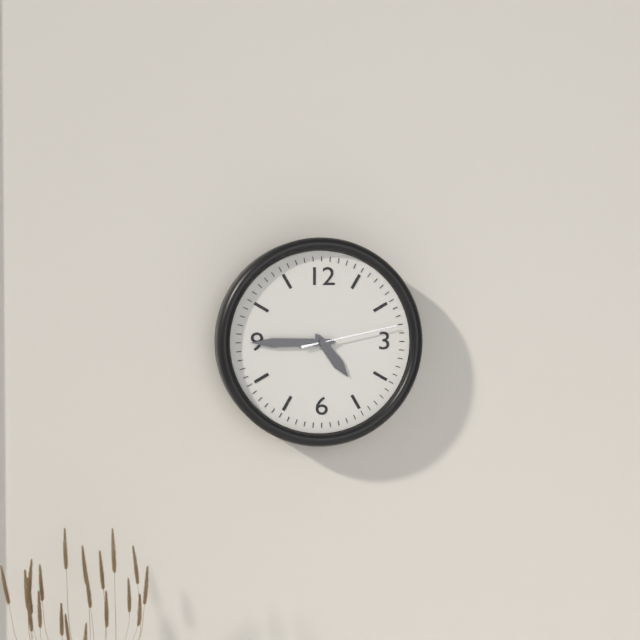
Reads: 4 h 45 min 13 s
